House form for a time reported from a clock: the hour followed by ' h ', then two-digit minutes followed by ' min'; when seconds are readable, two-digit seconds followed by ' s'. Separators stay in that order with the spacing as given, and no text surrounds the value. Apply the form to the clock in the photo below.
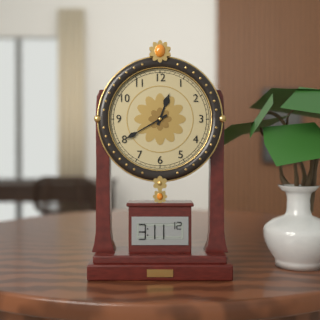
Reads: 12 h 40 min
